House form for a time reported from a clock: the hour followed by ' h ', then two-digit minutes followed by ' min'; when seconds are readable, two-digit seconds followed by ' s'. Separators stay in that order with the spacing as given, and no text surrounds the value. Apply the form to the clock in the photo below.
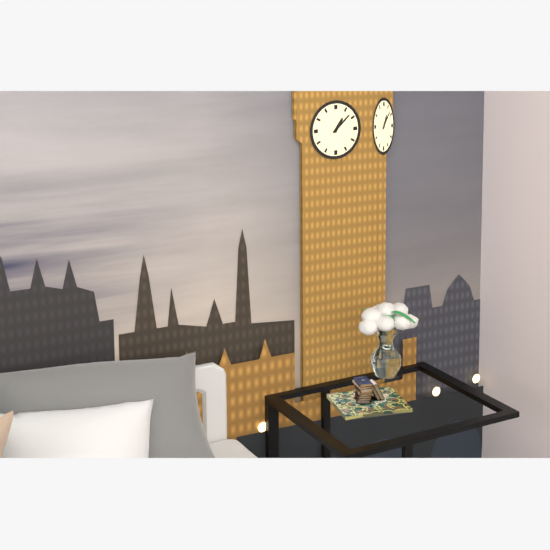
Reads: 1 h 08 min
